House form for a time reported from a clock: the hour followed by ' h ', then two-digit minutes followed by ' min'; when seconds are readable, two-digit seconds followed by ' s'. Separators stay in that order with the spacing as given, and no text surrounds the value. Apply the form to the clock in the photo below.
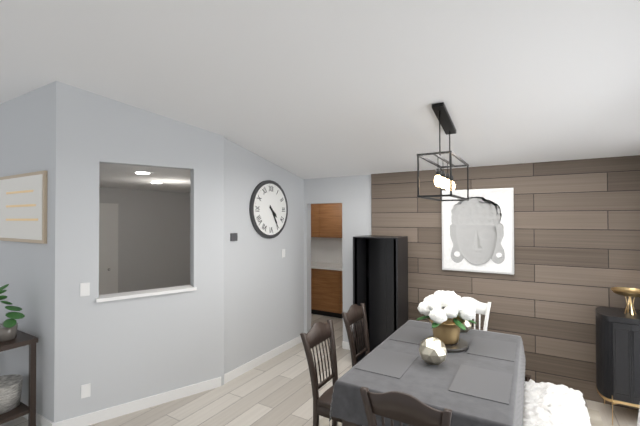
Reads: 4 h 25 min
